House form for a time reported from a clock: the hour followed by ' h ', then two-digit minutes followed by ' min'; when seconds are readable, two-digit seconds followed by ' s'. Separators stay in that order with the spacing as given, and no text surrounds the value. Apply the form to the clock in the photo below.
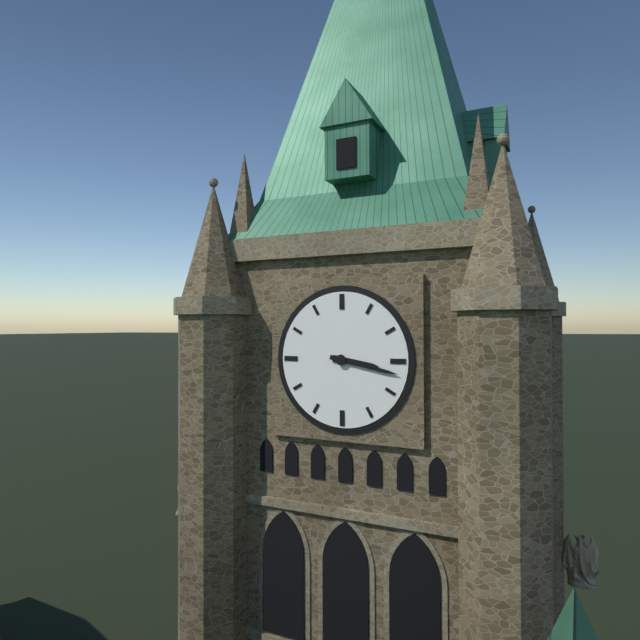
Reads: 3 h 17 min
